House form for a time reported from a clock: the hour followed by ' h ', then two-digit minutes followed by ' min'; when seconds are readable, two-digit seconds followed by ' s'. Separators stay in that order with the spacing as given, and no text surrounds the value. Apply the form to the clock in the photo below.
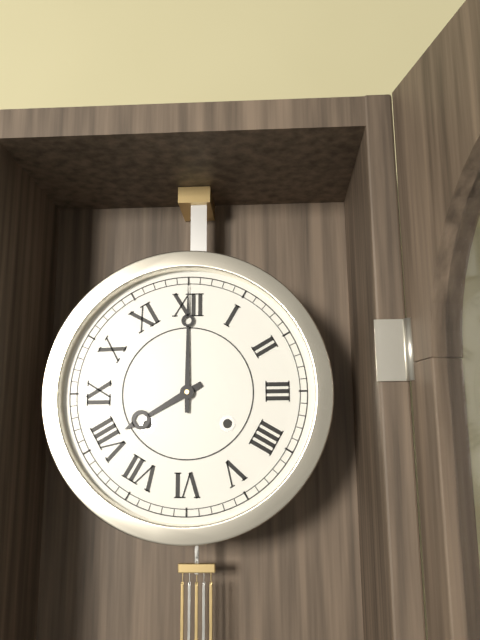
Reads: 8 h 00 min
